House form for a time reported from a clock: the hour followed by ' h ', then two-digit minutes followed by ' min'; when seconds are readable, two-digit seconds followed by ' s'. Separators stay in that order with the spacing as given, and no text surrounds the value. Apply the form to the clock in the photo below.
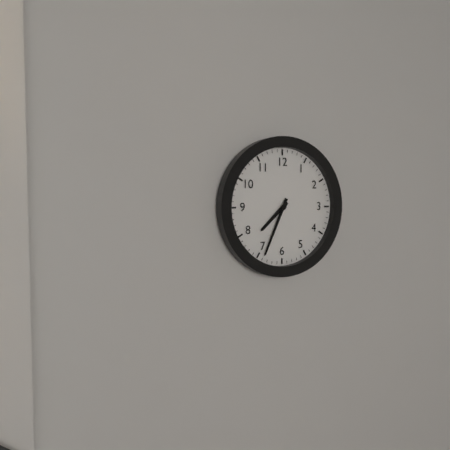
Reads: 7 h 34 min
